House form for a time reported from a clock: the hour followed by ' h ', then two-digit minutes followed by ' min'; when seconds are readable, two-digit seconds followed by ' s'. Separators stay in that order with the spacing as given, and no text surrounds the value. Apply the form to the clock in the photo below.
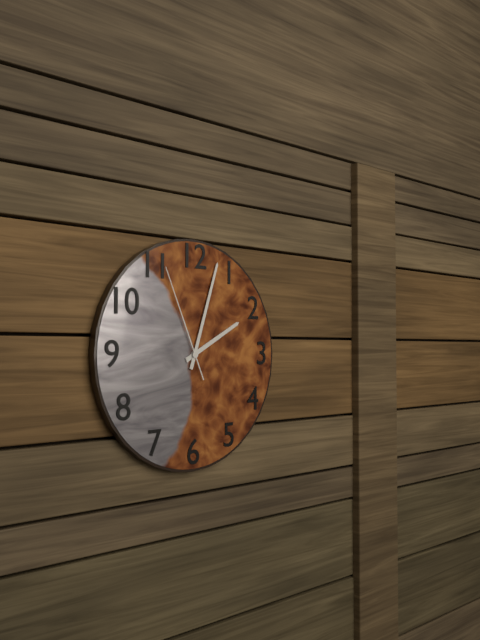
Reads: 2 h 03 min 56 s
